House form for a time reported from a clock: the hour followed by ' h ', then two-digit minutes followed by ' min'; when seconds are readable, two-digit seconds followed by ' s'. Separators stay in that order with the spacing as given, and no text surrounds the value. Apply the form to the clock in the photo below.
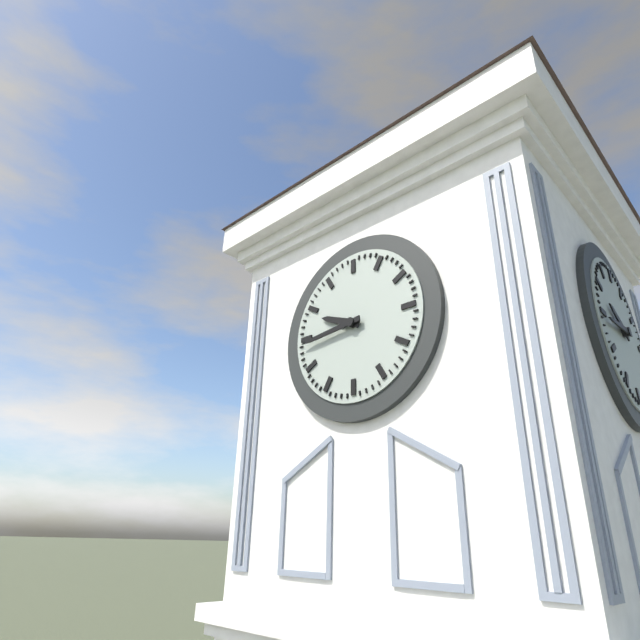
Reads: 9 h 44 min
